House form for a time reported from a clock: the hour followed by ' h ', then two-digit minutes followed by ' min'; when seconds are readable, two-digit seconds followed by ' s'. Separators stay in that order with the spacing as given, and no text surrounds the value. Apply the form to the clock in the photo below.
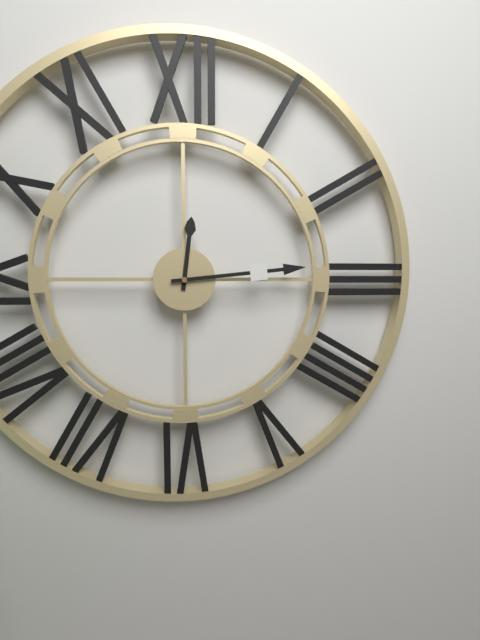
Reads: 12 h 14 min
